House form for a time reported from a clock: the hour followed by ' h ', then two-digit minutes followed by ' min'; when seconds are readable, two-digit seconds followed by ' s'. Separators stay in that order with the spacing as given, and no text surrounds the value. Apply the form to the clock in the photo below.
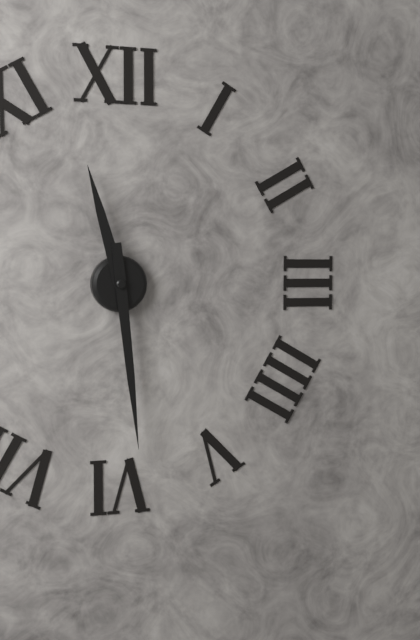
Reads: 11 h 29 min
